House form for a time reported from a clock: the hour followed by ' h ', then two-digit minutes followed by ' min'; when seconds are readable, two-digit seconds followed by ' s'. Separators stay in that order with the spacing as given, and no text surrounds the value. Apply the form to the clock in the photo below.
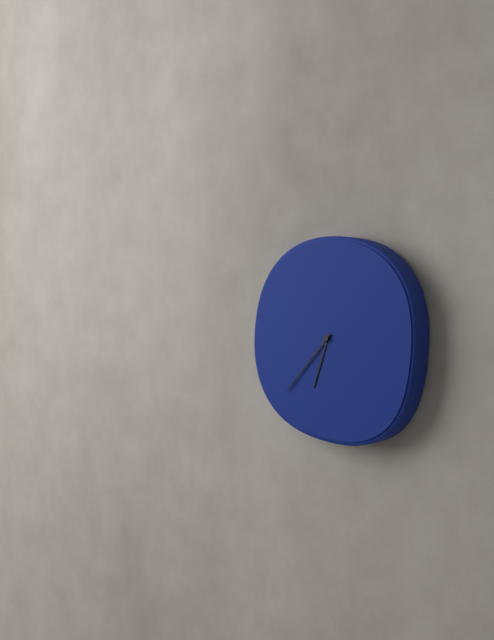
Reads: 6 h 37 min
